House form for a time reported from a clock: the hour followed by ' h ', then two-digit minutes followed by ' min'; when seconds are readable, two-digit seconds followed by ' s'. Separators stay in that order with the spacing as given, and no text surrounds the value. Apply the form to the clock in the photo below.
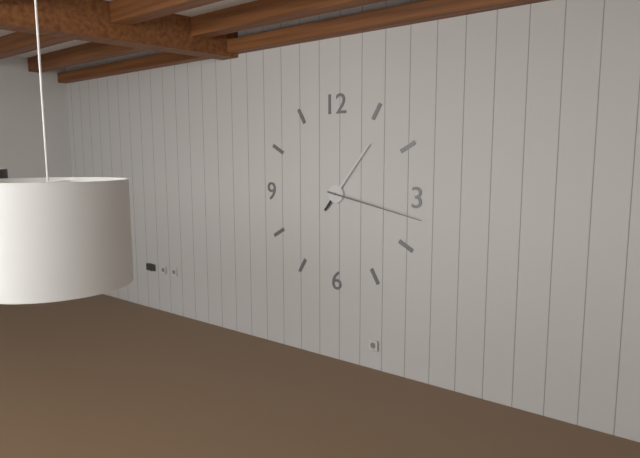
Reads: 1 h 17 min
